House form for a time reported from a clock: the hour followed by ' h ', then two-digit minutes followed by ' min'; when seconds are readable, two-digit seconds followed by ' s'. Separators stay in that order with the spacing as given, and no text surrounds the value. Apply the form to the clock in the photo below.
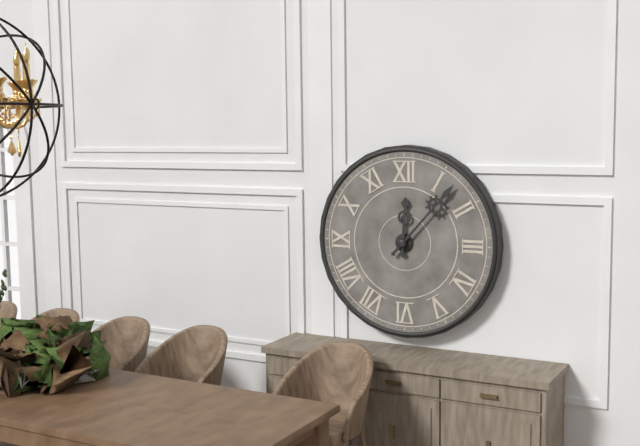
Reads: 12 h 07 min
